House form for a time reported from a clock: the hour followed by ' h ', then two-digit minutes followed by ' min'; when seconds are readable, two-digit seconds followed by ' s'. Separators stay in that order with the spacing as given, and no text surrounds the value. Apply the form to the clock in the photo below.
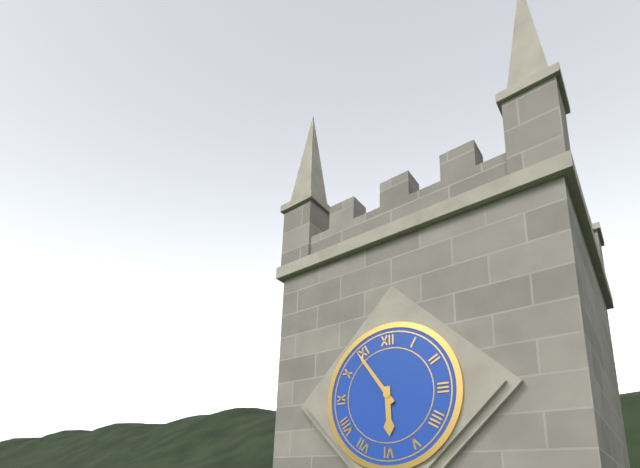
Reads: 5 h 54 min
